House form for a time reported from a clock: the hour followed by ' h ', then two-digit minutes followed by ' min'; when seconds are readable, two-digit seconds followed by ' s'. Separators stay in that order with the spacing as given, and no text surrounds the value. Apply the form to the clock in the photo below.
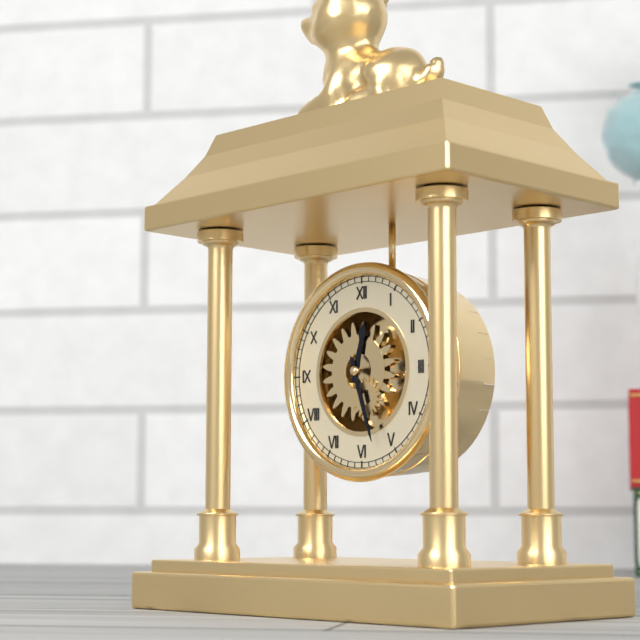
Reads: 12 h 27 min
